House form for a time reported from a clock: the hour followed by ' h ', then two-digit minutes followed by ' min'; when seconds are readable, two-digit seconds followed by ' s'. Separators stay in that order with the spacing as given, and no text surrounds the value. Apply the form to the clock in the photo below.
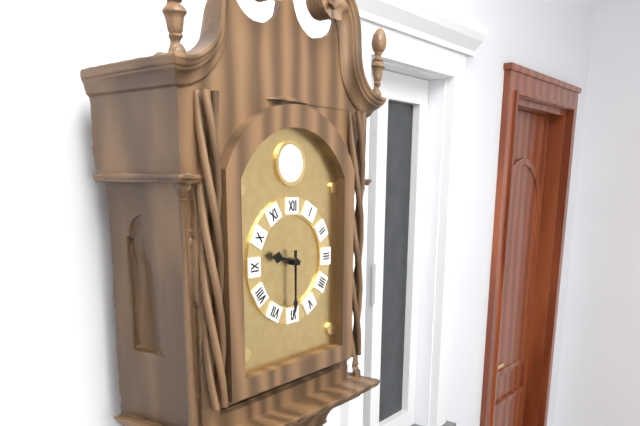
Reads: 9 h 30 min
